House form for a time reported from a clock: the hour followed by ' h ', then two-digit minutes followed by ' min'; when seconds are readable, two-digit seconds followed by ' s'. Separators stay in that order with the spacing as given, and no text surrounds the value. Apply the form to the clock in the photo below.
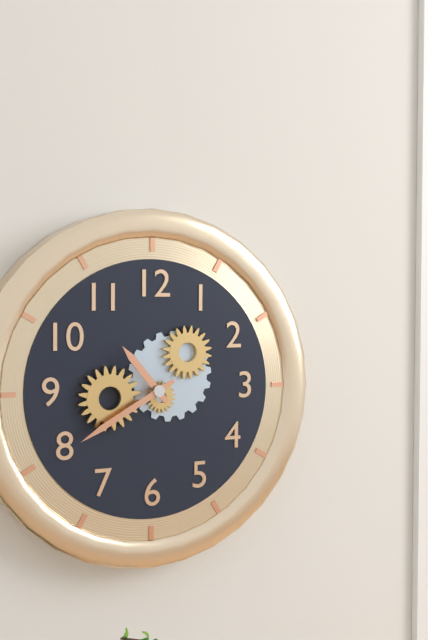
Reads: 10 h 40 min
